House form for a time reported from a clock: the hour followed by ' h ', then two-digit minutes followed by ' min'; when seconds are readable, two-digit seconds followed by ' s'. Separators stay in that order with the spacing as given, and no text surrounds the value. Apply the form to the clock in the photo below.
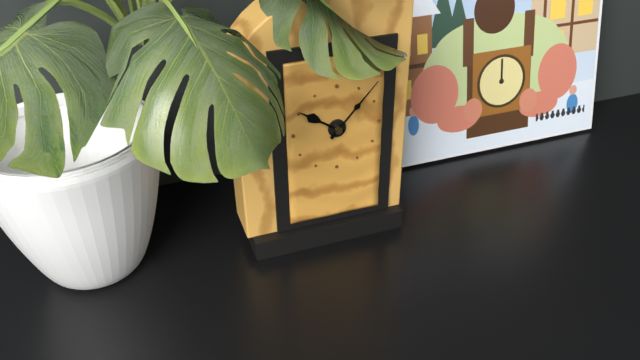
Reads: 10 h 07 min
